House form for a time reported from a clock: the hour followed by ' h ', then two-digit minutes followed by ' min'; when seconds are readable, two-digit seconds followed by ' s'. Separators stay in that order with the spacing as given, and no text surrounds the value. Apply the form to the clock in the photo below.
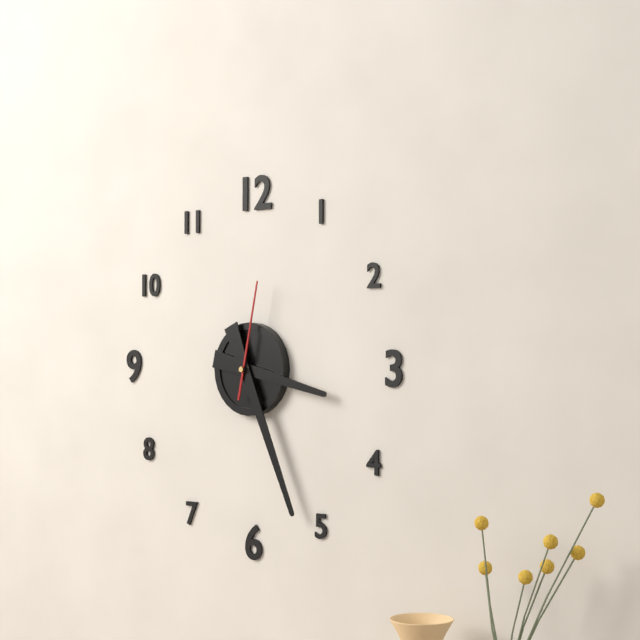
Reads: 3 h 26 min 02 s
